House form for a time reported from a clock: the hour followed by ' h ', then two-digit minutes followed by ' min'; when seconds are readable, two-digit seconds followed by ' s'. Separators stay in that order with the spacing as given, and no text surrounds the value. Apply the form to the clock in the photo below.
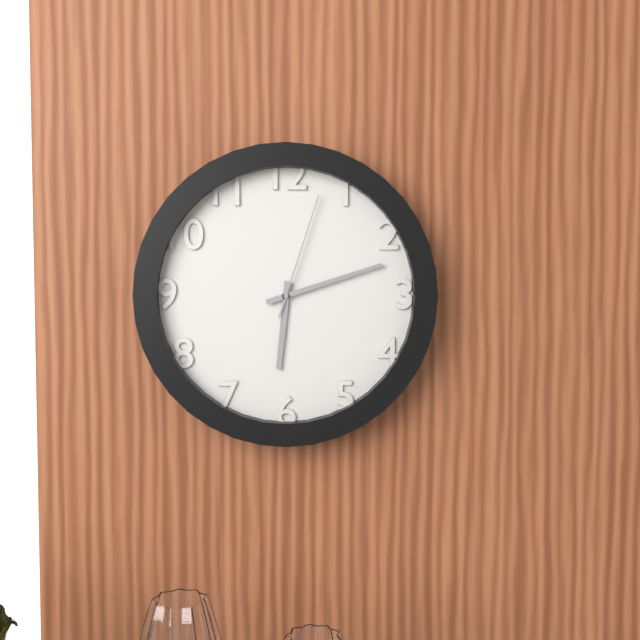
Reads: 6 h 12 min 03 s
